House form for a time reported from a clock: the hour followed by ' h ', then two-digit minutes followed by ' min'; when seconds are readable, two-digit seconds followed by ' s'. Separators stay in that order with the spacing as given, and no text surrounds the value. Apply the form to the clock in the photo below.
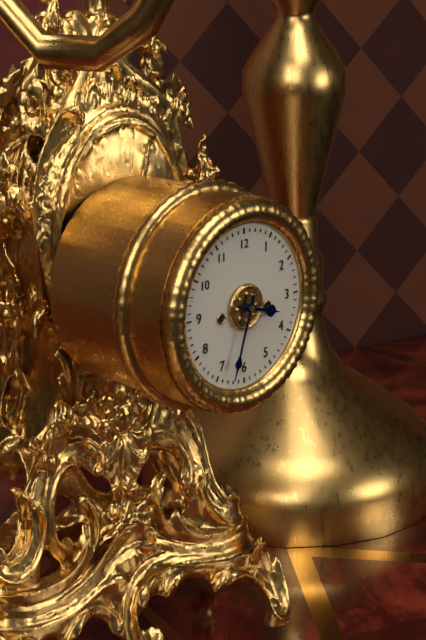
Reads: 3 h 33 min
